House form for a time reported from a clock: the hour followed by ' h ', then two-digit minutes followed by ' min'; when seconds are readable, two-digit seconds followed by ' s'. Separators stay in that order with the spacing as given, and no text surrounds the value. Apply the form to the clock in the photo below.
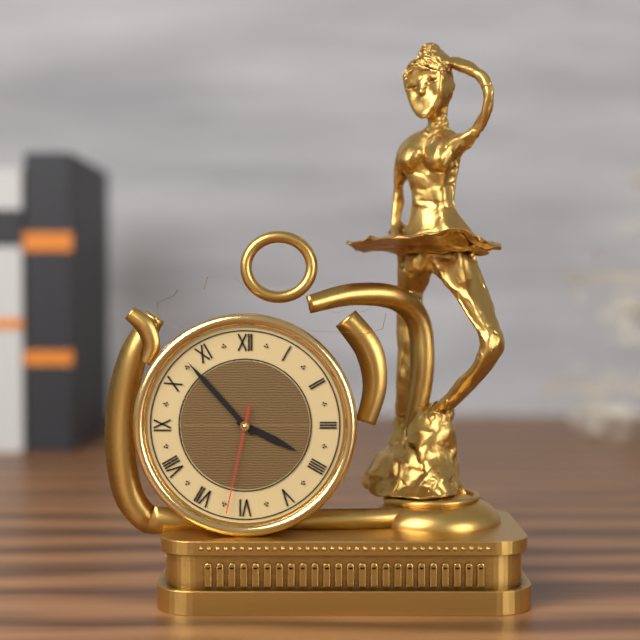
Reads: 3 h 53 min 32 s
